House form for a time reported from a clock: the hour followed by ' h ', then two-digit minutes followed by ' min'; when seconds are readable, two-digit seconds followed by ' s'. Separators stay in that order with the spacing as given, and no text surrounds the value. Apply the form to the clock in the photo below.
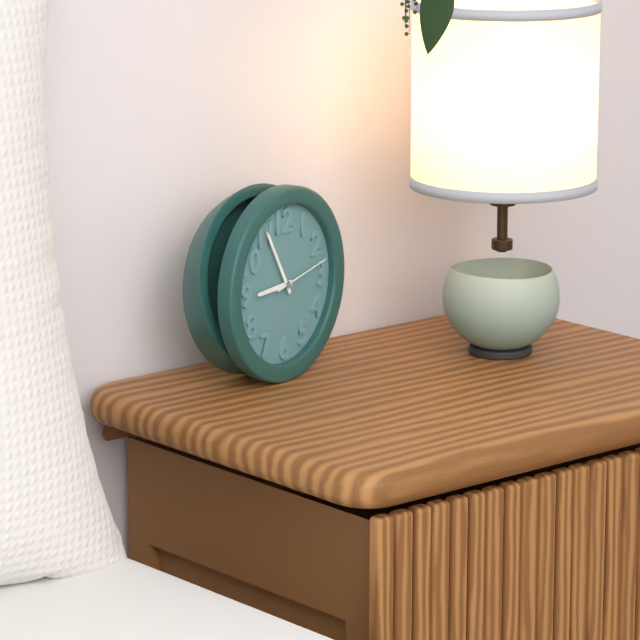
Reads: 8 h 55 min 13 s
